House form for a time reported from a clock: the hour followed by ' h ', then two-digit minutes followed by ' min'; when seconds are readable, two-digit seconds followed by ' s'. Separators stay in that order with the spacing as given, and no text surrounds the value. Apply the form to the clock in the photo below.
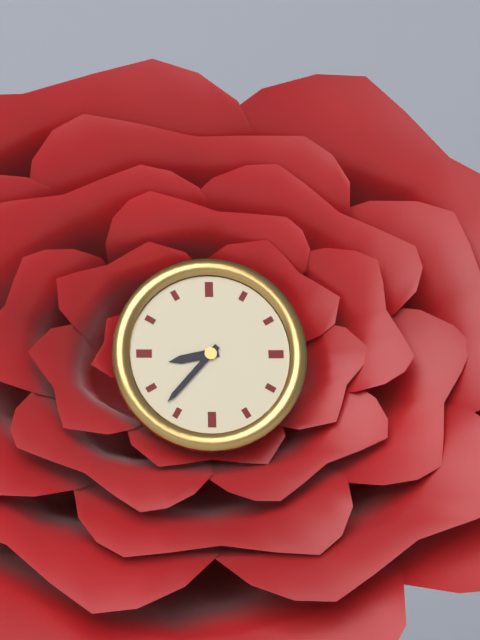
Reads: 8 h 37 min
